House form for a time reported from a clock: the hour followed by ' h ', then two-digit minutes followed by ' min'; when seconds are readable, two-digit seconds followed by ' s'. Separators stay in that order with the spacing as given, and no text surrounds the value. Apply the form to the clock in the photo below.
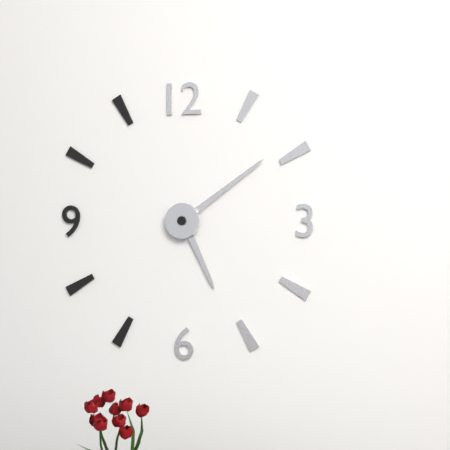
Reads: 5 h 09 min
